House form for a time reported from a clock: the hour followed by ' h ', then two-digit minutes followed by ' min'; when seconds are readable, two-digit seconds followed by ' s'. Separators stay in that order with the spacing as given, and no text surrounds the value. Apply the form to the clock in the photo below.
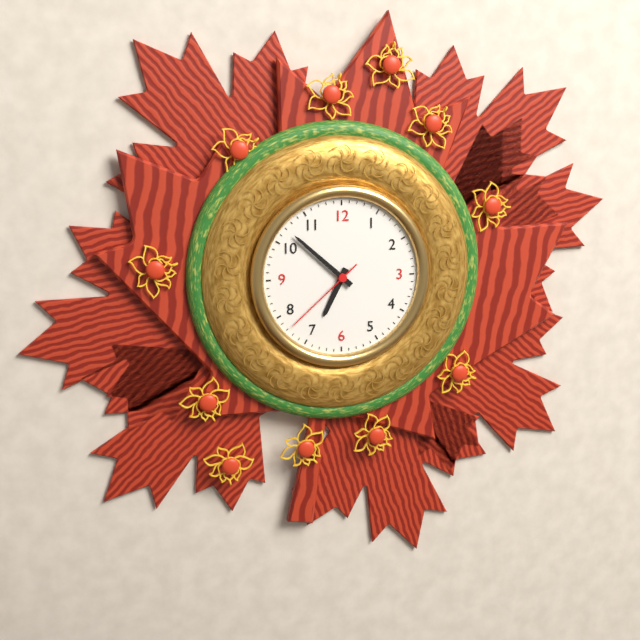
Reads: 6 h 52 min 38 s
